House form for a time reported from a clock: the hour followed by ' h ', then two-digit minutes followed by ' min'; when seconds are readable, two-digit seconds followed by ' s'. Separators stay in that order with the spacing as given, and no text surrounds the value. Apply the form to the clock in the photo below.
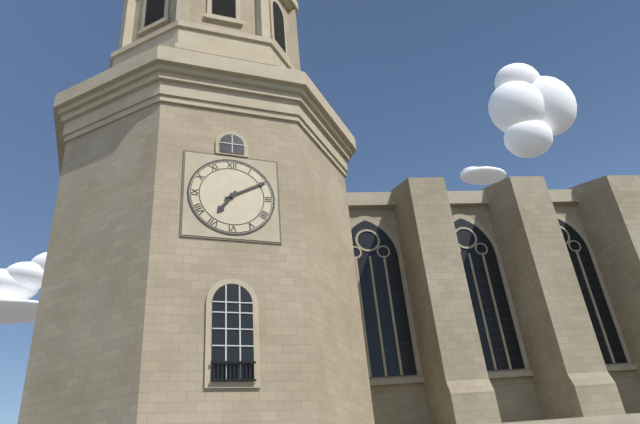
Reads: 7 h 10 min
